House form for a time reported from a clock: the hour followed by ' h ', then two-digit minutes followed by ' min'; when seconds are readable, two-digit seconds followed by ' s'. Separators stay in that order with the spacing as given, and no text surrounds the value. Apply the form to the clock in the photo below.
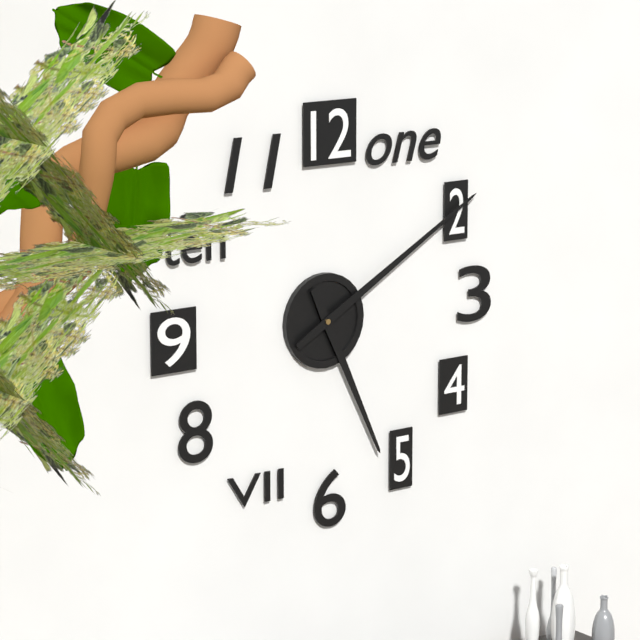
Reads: 5 h 10 min
